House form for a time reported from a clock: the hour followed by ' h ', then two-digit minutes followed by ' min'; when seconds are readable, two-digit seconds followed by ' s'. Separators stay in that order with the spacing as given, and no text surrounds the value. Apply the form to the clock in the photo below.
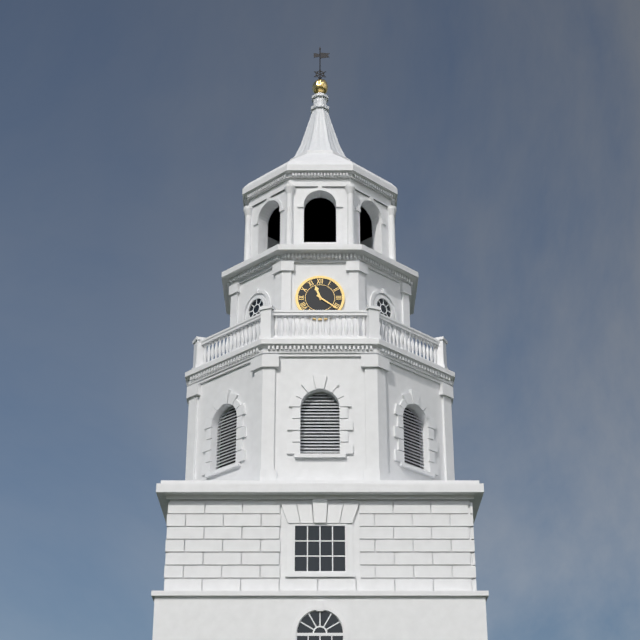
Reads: 11 h 21 min
